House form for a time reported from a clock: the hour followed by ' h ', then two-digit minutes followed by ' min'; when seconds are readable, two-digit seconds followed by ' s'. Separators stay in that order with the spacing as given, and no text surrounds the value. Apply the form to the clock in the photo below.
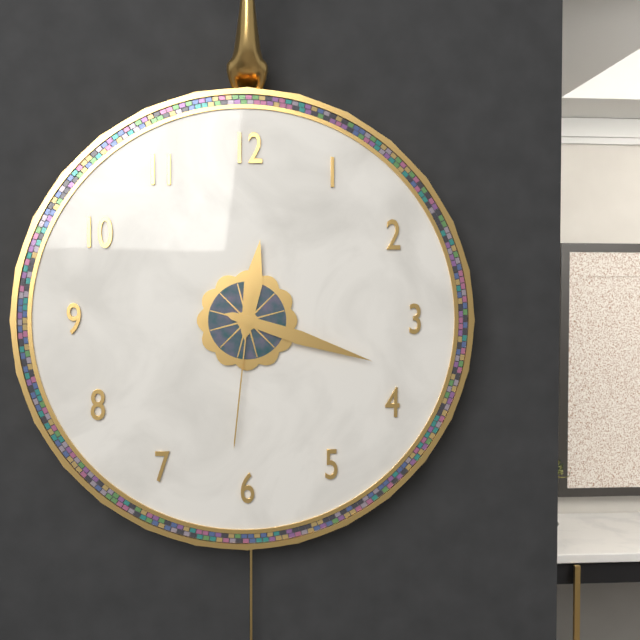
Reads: 12 h 18 min 31 s
